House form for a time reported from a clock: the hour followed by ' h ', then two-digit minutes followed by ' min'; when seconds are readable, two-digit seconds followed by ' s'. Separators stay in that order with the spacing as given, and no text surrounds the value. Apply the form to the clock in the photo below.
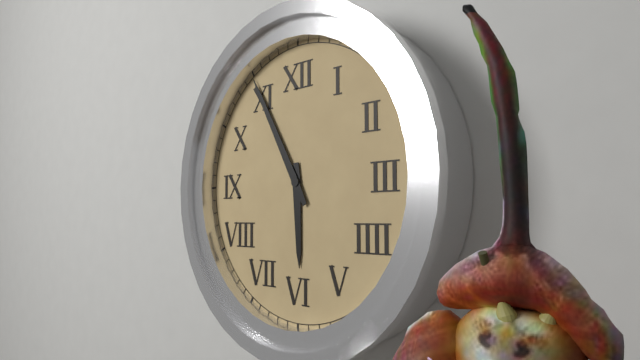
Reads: 5 h 55 min
